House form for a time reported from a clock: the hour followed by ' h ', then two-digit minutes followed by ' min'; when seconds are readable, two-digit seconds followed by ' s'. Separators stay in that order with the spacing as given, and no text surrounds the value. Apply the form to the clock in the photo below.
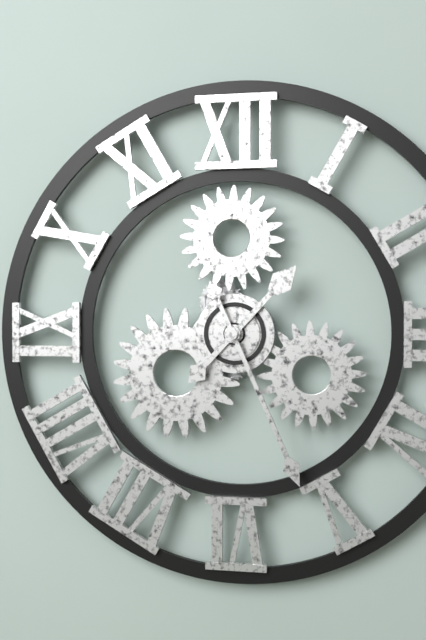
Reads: 1 h 26 min
